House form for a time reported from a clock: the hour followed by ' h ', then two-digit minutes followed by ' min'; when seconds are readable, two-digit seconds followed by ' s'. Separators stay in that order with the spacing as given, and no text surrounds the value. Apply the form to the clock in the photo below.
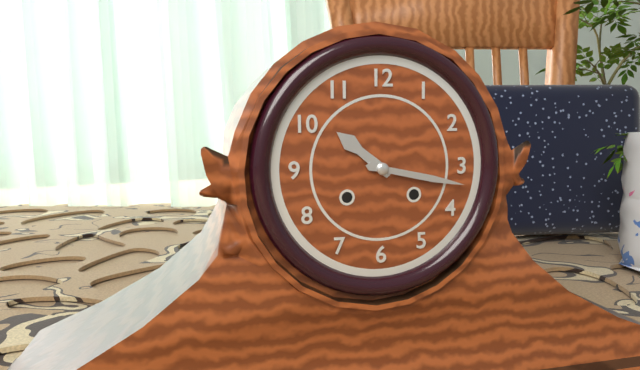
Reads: 10 h 17 min
